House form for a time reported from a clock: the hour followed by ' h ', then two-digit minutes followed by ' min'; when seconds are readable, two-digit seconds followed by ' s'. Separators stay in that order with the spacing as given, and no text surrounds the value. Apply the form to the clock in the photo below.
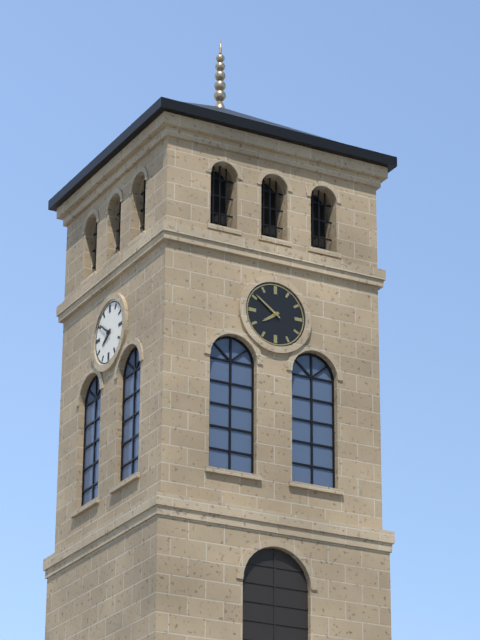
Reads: 7 h 51 min
